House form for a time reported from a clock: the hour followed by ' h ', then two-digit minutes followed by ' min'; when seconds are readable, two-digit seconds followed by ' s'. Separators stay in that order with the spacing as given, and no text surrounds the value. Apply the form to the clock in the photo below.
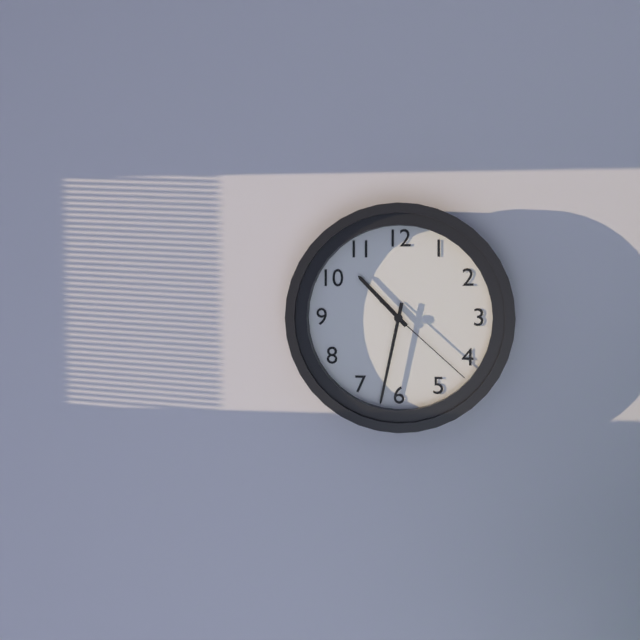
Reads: 10 h 32 min 22 s
